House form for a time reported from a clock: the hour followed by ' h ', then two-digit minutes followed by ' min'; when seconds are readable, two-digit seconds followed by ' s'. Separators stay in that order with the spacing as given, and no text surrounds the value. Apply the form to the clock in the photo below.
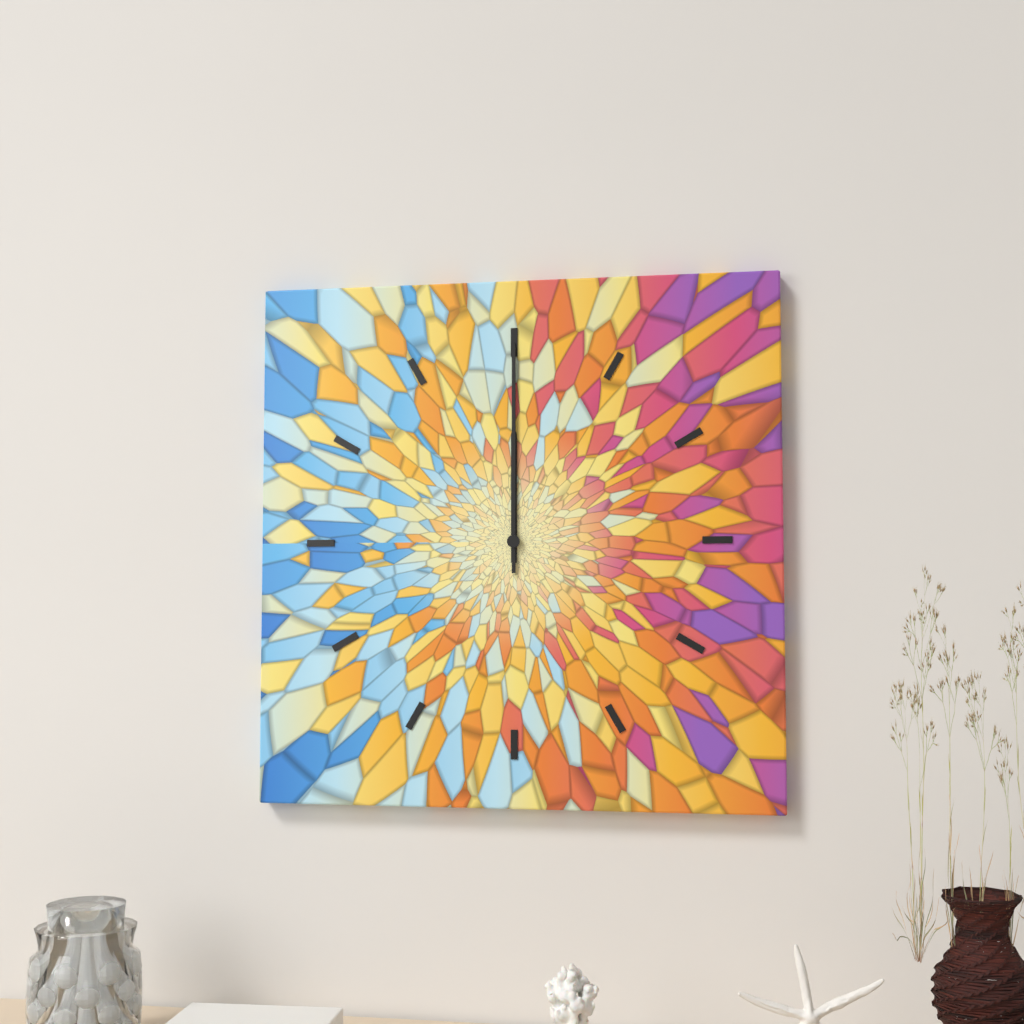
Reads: 12 h 00 min
